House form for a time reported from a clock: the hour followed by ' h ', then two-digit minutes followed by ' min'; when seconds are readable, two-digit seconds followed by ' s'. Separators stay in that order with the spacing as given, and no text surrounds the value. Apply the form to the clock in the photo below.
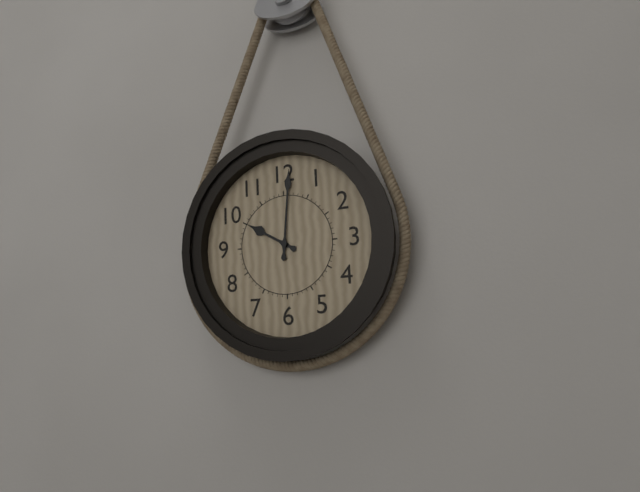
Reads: 10 h 01 min
